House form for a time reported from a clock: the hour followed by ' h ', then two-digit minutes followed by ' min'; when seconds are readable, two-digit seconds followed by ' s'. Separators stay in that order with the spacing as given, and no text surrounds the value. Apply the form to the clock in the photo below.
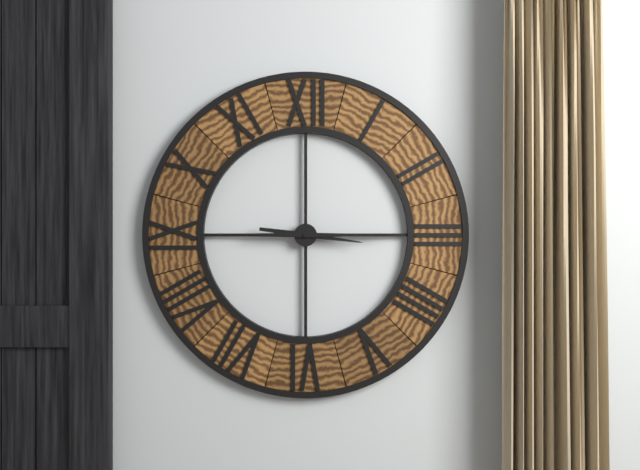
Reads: 3 h 15 min
